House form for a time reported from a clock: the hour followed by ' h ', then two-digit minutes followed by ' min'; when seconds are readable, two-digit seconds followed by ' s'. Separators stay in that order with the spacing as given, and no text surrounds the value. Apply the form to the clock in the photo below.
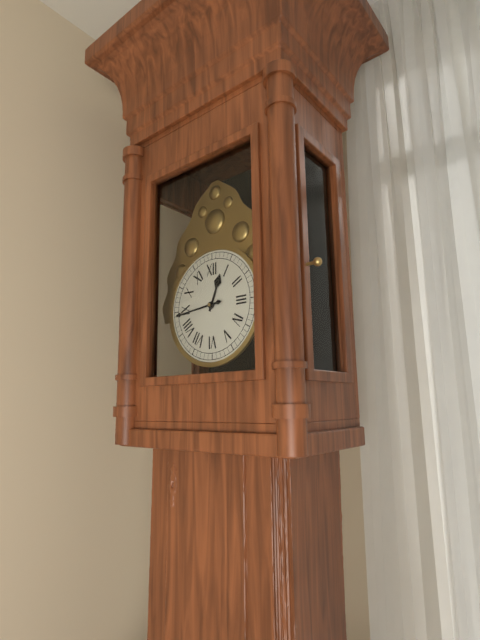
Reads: 12 h 44 min
